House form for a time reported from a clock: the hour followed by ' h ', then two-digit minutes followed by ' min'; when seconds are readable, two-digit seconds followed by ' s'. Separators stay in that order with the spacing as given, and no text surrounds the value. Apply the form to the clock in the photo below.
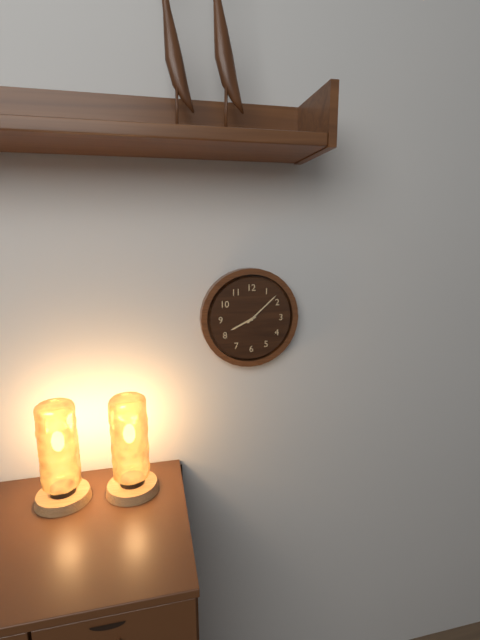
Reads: 8 h 08 min
